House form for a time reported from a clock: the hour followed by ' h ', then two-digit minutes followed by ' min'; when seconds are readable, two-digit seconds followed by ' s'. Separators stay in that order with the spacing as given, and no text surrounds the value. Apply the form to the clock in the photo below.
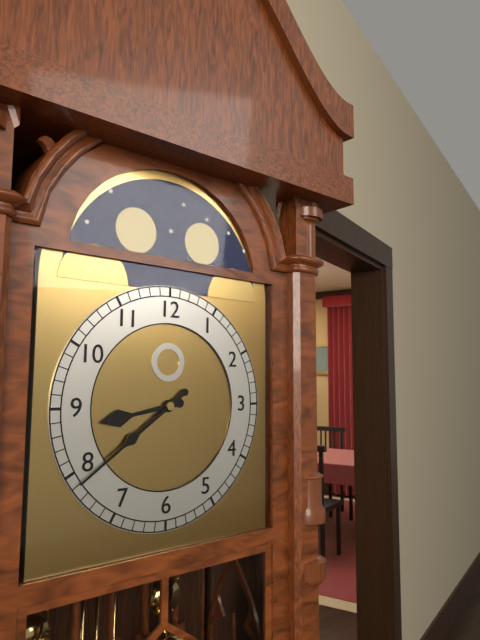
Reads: 8 h 39 min
